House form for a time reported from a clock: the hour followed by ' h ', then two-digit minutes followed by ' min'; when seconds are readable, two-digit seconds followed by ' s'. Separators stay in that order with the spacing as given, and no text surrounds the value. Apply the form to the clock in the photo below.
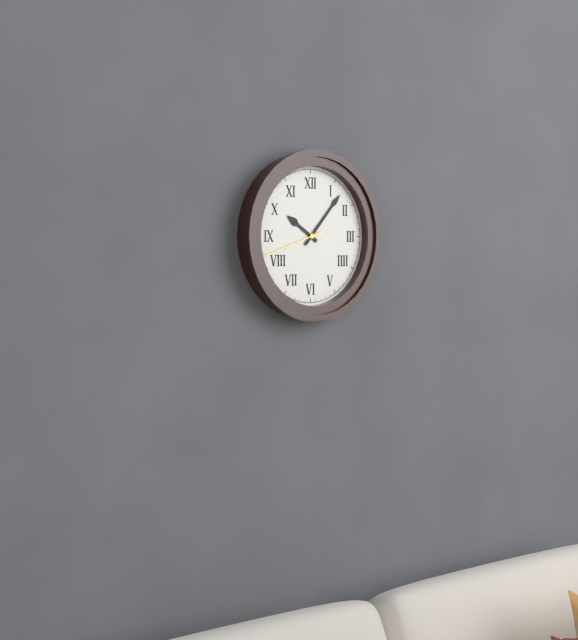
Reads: 10 h 07 min 42 s
